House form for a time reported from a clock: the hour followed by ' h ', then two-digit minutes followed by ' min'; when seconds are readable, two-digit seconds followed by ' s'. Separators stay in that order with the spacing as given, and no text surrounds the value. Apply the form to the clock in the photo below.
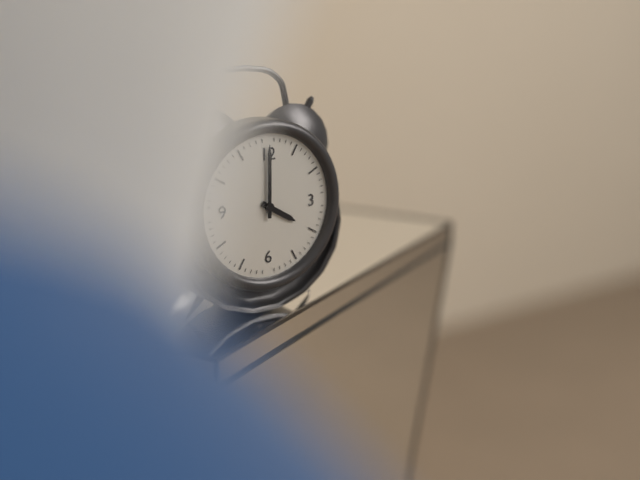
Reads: 4 h 00 min
